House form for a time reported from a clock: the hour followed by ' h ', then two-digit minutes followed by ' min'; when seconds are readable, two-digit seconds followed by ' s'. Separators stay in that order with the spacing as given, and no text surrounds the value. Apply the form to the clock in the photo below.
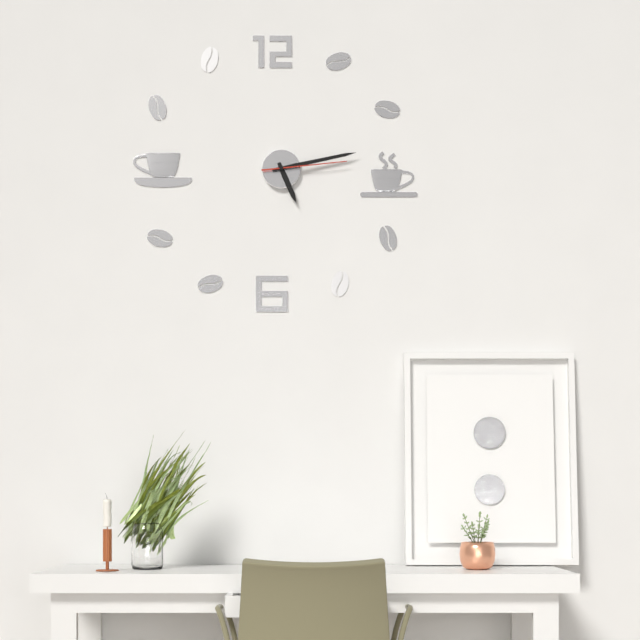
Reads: 5 h 13 min 14 s
